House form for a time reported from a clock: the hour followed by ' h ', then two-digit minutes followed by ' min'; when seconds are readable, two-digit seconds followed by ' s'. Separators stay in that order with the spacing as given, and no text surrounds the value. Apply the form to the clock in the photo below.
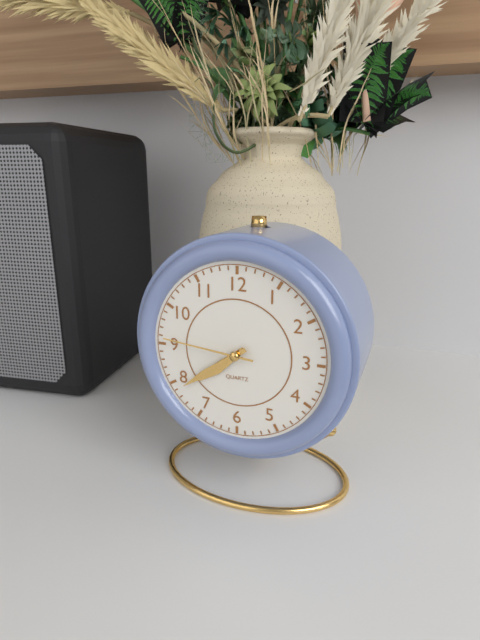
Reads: 7 h 39 min 46 s
